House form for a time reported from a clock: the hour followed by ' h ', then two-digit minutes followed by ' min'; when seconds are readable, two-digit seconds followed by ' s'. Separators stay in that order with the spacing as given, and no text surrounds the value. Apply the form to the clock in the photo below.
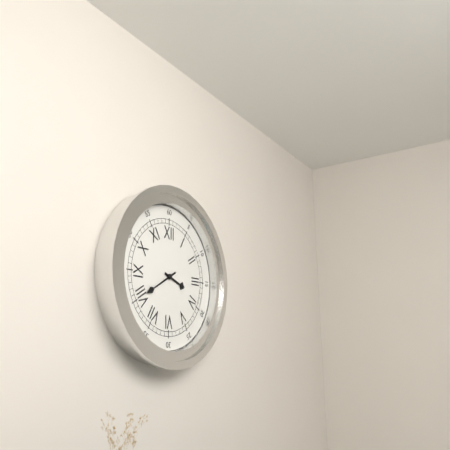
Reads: 3 h 40 min
